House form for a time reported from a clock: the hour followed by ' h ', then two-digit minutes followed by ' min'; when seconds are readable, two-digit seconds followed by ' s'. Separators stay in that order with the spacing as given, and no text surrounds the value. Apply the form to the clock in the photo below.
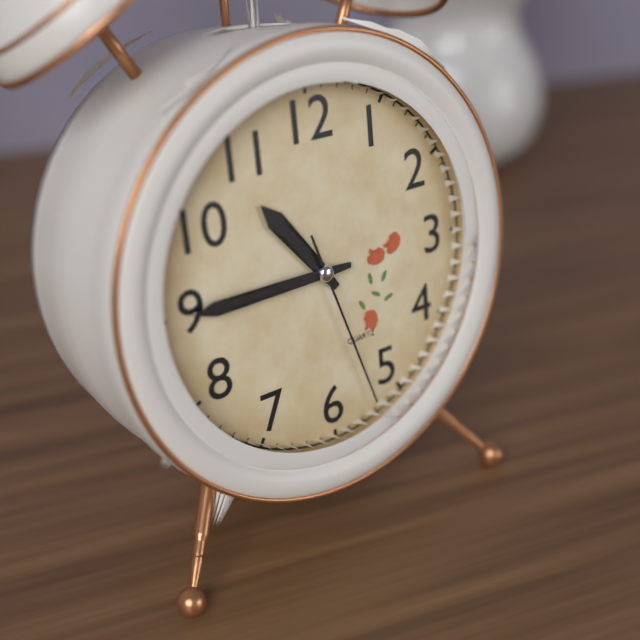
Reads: 10 h 45 min 27 s
